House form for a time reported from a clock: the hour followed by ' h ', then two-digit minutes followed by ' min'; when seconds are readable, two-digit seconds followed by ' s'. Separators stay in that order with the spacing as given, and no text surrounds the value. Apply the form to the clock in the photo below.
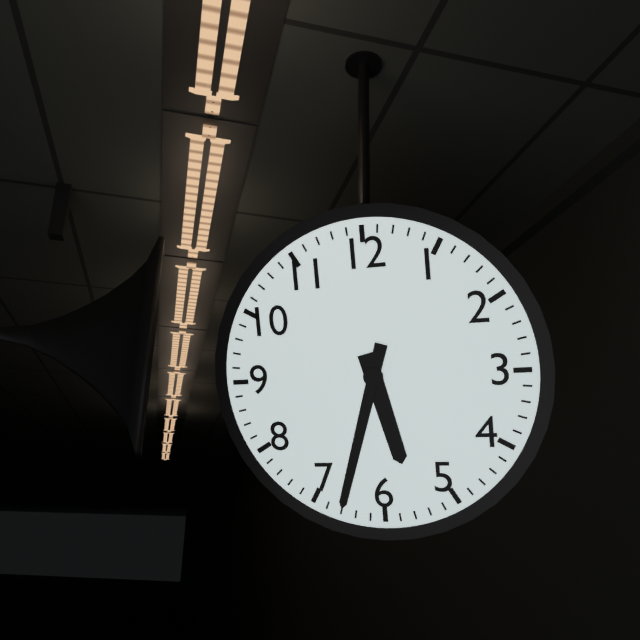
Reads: 5 h 33 min
